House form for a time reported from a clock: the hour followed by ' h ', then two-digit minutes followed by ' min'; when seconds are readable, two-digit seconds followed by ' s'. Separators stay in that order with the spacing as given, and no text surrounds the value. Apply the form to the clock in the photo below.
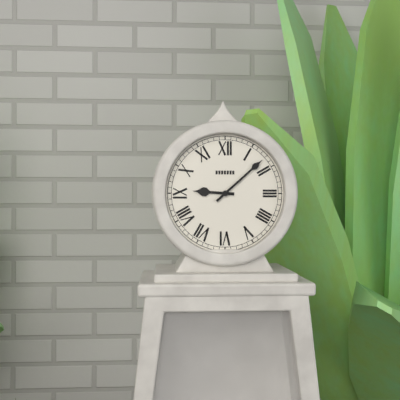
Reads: 9 h 08 min
